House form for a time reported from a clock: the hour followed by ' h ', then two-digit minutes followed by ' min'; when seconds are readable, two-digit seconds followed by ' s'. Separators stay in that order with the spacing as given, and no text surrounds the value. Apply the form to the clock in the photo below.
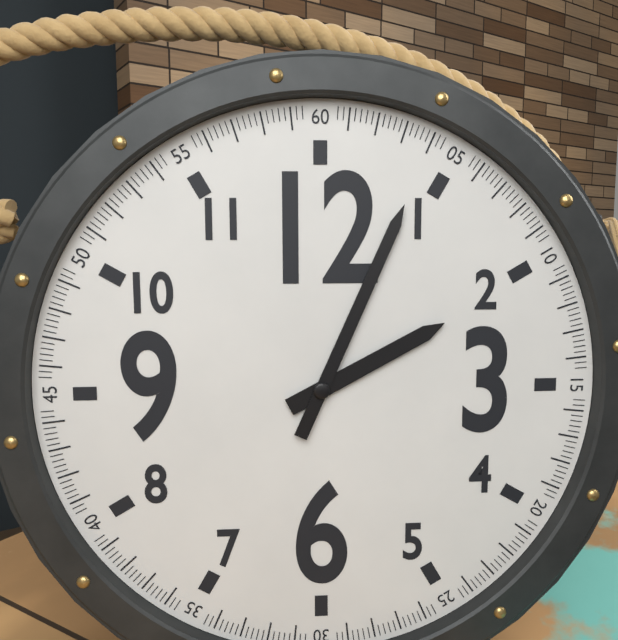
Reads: 2 h 04 min
